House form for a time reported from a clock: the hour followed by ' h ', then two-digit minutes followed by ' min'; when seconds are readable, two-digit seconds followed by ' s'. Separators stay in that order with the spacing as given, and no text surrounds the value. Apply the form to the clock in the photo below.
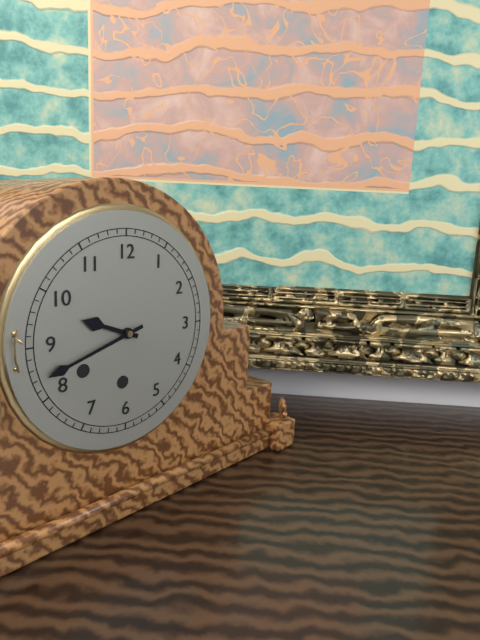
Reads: 9 h 42 min
